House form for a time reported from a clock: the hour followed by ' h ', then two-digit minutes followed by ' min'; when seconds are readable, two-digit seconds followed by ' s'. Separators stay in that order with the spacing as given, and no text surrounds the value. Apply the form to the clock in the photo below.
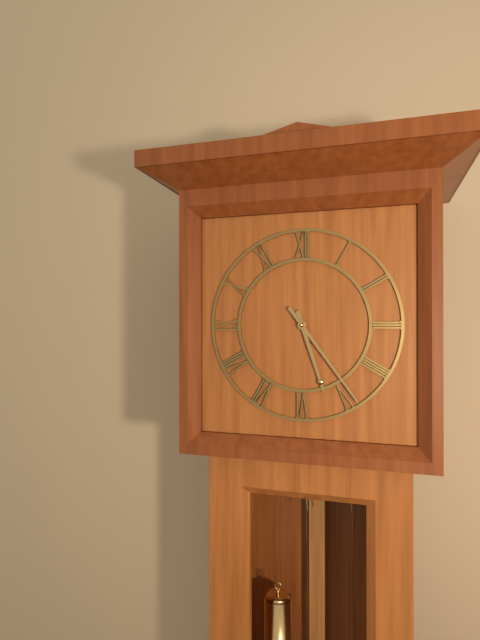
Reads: 5 h 24 min
